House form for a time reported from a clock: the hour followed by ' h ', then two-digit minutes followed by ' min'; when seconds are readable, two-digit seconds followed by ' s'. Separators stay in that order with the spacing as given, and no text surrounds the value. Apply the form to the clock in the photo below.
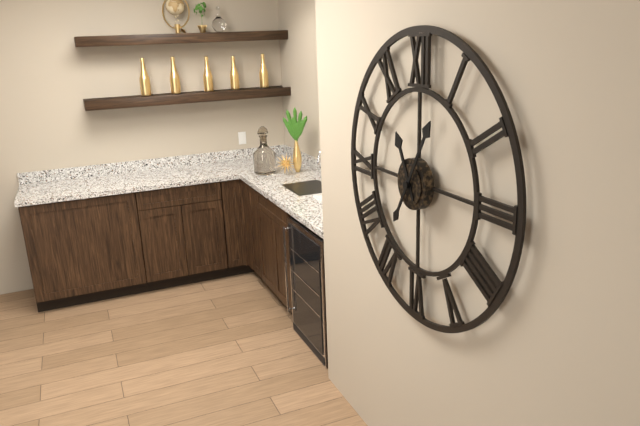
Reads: 11 h 05 min
